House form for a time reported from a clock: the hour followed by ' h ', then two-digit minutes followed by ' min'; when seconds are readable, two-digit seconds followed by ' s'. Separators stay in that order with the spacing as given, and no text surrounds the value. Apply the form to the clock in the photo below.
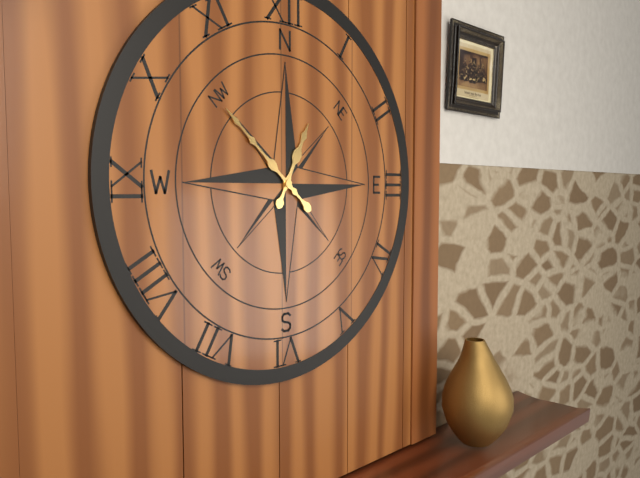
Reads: 12 h 52 min
